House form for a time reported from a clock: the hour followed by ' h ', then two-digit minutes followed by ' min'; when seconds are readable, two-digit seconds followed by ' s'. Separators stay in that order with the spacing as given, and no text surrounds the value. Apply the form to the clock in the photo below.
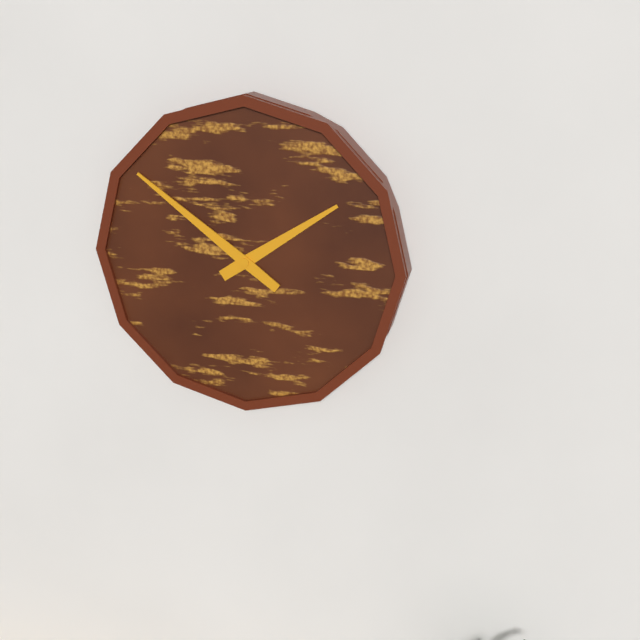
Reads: 1 h 51 min
